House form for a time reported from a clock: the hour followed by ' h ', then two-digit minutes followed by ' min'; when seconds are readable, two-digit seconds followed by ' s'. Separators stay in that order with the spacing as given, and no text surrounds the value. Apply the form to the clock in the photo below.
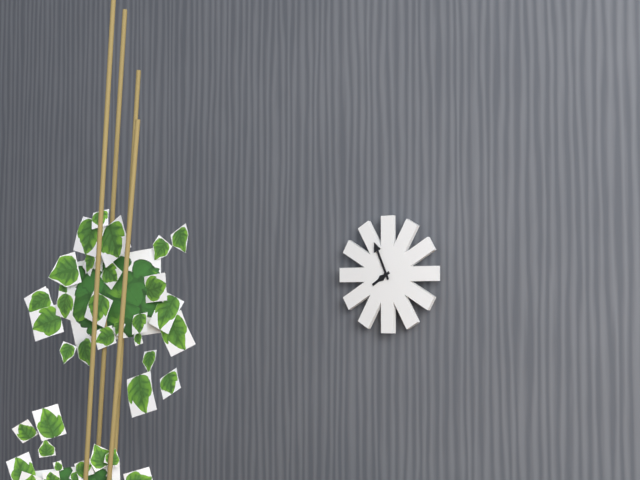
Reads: 7 h 56 min
